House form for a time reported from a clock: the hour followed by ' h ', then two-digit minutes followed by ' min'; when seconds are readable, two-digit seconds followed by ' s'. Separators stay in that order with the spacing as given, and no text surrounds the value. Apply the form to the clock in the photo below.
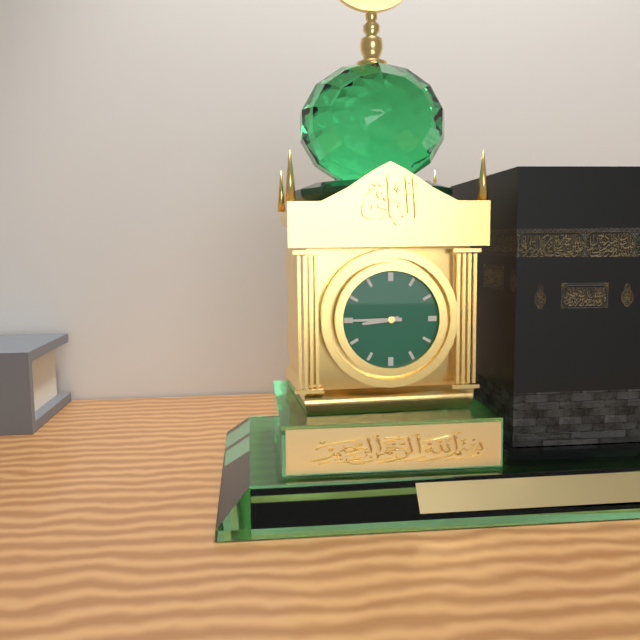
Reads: 8 h 45 min
